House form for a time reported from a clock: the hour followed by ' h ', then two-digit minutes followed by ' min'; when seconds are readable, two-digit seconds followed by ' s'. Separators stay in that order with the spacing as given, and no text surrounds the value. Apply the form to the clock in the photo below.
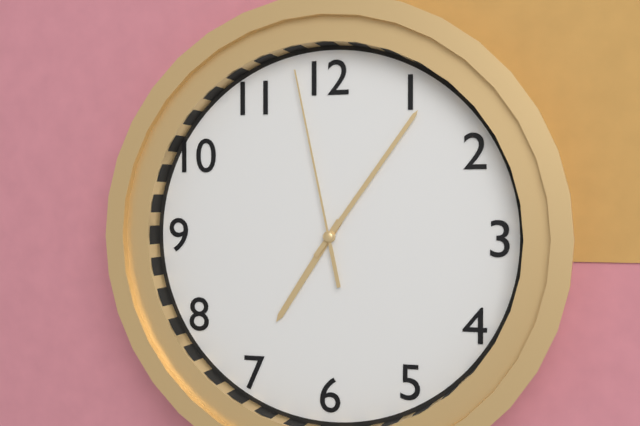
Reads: 7 h 06 min 58 s
